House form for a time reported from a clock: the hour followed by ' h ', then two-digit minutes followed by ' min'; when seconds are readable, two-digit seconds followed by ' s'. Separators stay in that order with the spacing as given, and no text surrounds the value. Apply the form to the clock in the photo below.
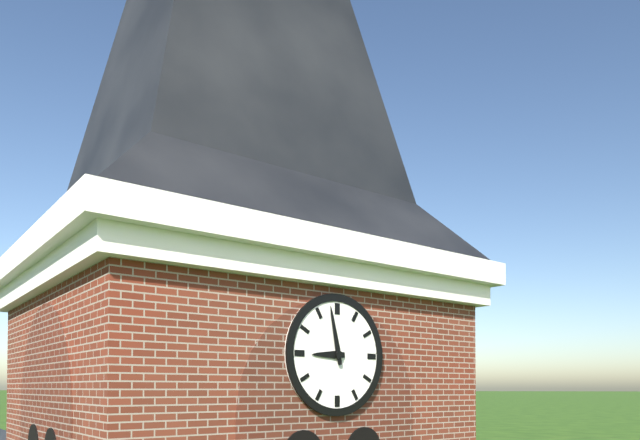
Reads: 8 h 58 min
